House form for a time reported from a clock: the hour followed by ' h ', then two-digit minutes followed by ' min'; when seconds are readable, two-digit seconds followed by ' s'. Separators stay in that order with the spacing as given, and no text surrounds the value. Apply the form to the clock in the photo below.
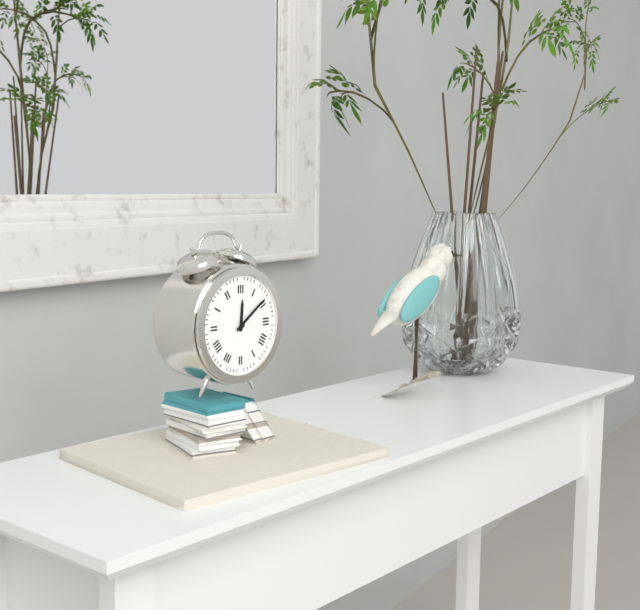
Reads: 12 h 09 min
